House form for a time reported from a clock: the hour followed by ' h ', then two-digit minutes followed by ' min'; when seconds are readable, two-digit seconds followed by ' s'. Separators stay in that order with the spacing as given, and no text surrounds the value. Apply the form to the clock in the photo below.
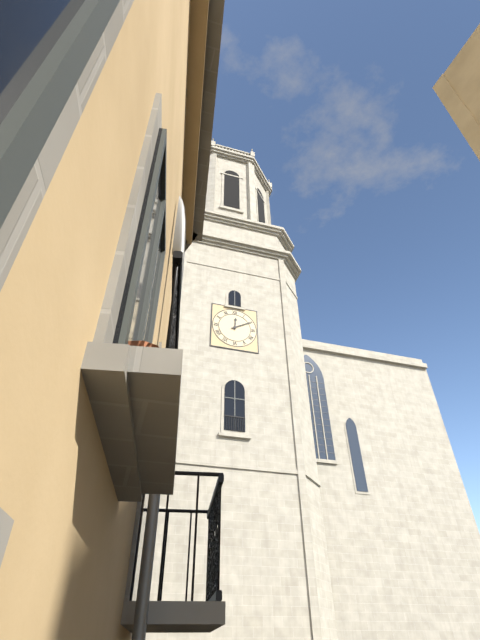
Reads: 12 h 10 min
